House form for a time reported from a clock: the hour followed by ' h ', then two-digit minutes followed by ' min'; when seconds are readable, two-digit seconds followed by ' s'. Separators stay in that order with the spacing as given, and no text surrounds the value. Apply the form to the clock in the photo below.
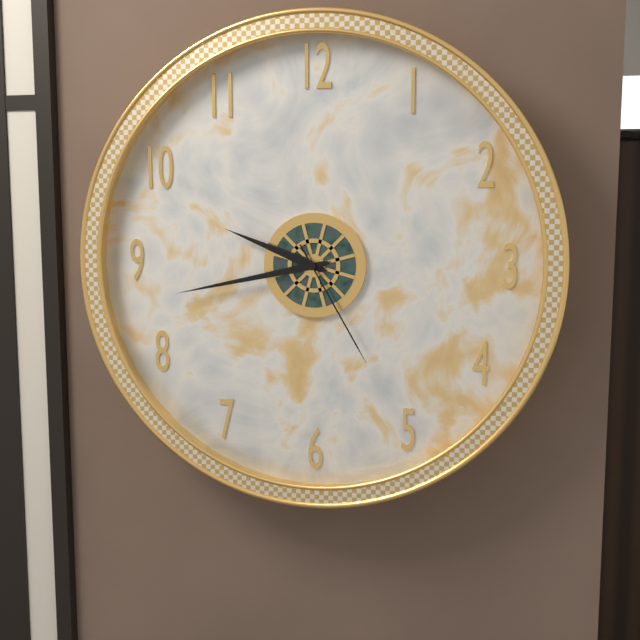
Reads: 9 h 43 min 25 s
